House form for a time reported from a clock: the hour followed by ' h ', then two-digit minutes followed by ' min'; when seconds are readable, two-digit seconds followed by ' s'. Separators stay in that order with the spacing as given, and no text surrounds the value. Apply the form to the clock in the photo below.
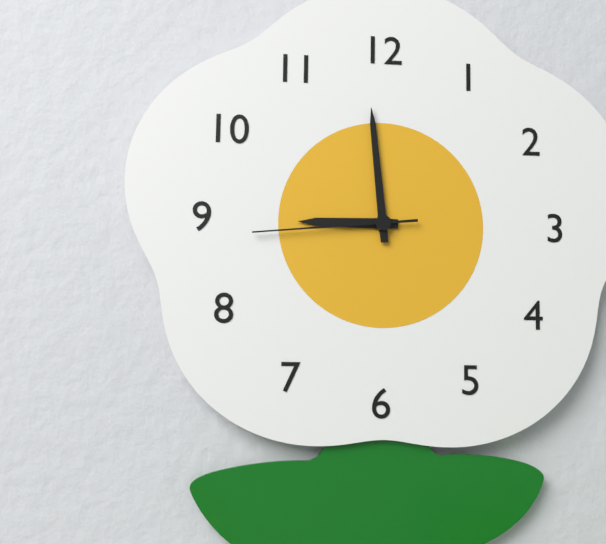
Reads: 8 h 59 min 44 s
